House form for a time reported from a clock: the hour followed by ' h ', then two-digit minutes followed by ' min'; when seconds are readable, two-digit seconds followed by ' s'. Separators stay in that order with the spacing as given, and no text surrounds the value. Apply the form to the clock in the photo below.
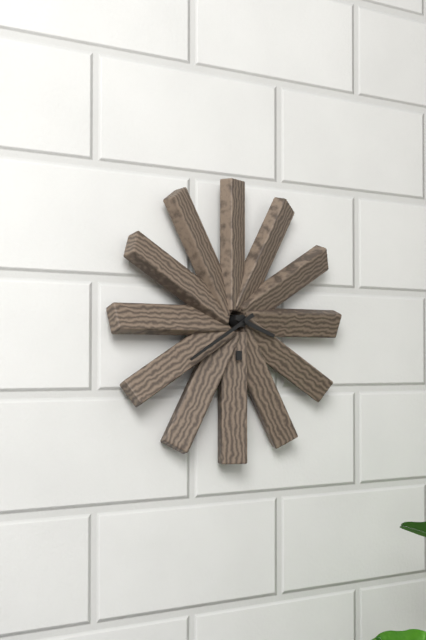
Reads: 3 h 40 min
